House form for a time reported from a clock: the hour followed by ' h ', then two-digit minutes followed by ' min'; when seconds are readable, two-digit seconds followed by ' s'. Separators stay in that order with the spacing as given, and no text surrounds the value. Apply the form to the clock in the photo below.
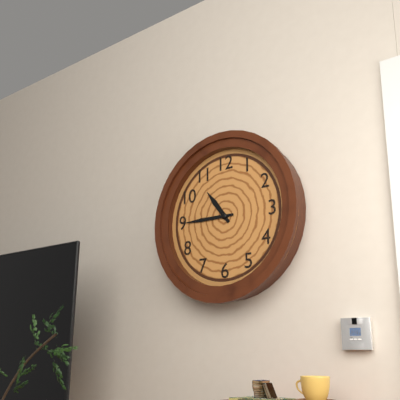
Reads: 10 h 45 min
